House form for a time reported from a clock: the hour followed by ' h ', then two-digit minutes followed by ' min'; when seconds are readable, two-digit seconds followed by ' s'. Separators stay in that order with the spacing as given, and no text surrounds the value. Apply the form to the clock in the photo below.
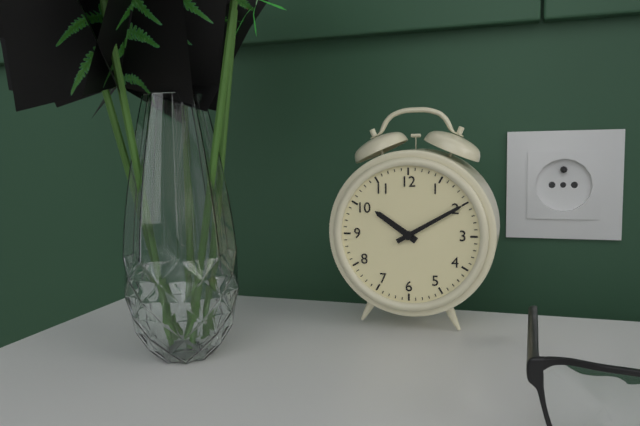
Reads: 10 h 10 min
